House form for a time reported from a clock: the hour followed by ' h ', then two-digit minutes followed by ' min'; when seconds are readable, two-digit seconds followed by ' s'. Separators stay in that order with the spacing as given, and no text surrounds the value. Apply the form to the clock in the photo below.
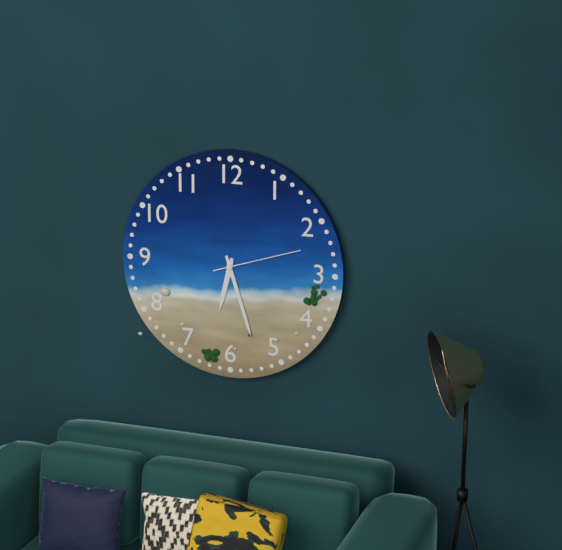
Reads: 6 h 27 min 12 s
